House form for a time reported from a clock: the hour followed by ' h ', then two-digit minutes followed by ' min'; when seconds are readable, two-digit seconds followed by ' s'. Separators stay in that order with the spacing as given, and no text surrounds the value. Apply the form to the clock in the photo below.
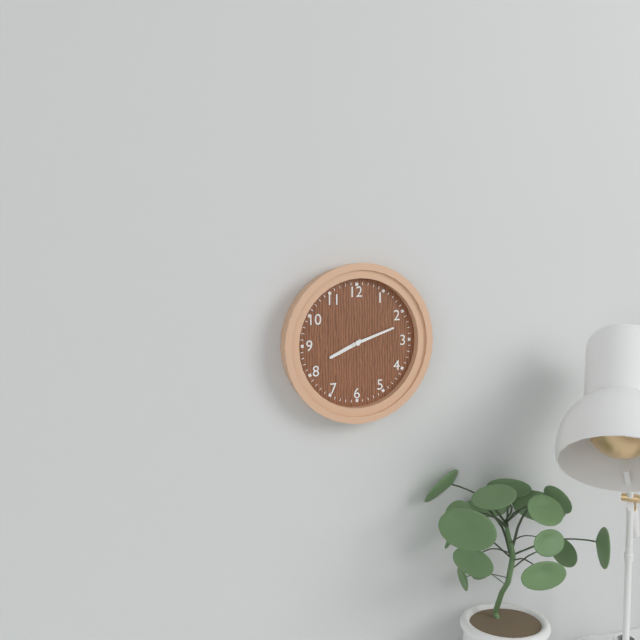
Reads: 8 h 12 min
